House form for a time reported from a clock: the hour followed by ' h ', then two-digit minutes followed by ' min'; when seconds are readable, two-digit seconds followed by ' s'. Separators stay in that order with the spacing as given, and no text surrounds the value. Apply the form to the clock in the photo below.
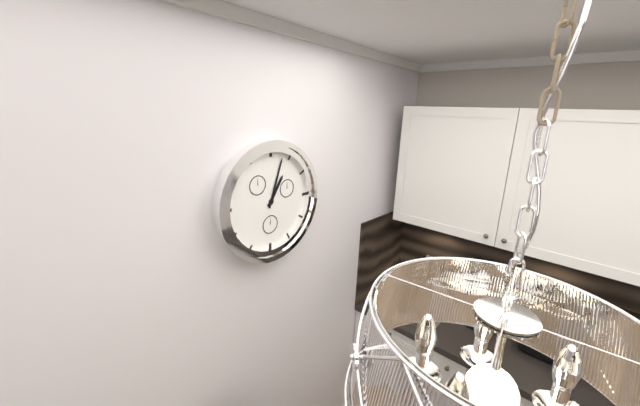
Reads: 1 h 03 min
